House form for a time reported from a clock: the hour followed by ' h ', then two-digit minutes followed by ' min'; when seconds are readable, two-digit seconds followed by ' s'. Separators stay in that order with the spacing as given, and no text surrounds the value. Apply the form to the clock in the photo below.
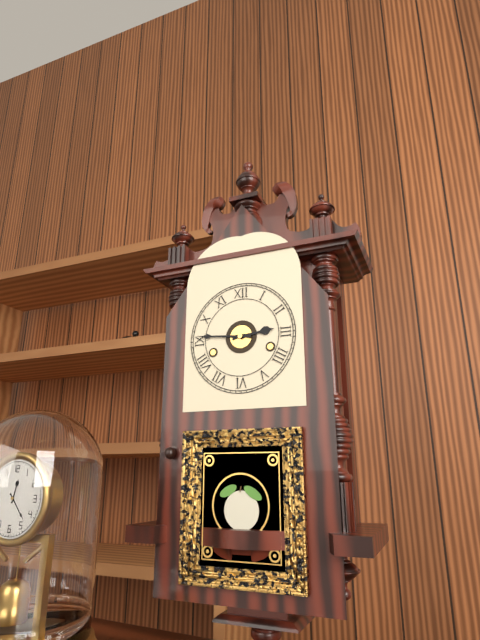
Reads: 2 h 46 min
